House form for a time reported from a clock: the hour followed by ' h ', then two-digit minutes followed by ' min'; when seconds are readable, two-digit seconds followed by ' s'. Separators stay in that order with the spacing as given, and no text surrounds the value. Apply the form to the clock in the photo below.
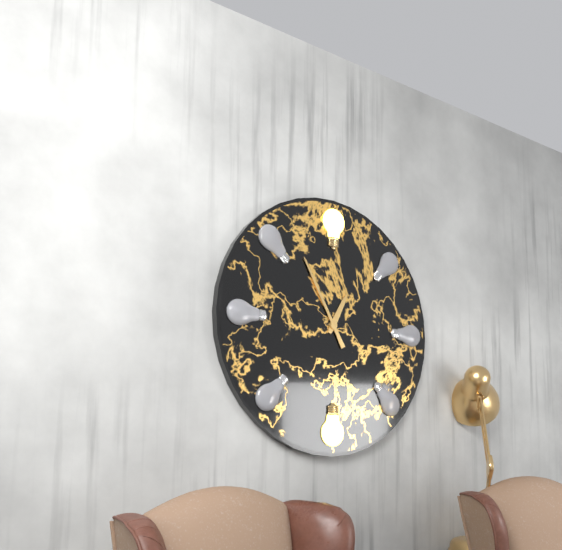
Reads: 12 h 55 min
